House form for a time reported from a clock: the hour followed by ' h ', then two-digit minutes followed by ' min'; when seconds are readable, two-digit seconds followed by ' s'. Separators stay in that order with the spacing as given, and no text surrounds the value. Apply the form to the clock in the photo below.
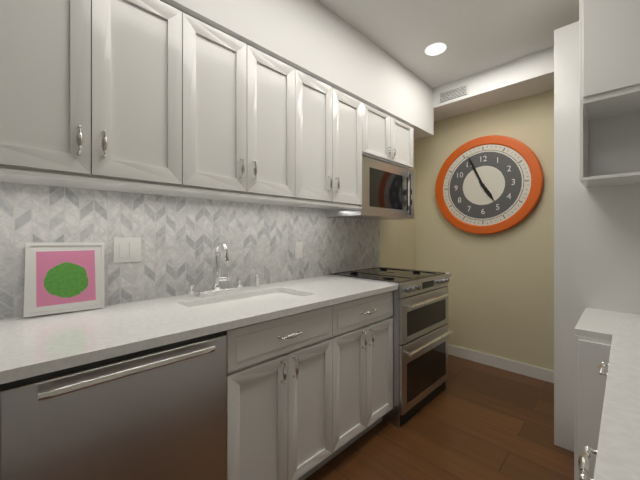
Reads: 4 h 56 min
